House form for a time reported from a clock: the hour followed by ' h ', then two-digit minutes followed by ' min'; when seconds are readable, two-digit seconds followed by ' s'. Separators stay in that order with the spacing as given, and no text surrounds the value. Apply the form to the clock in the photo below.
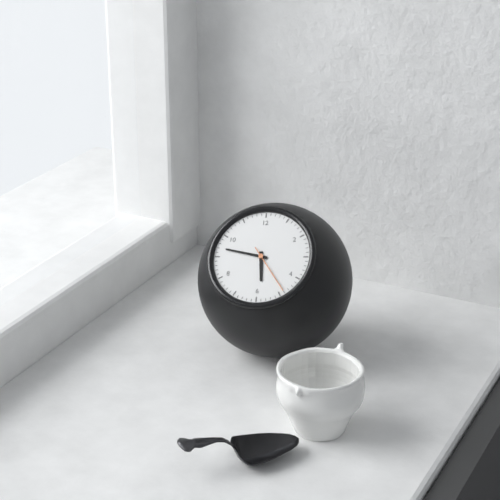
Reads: 5 h 47 min
